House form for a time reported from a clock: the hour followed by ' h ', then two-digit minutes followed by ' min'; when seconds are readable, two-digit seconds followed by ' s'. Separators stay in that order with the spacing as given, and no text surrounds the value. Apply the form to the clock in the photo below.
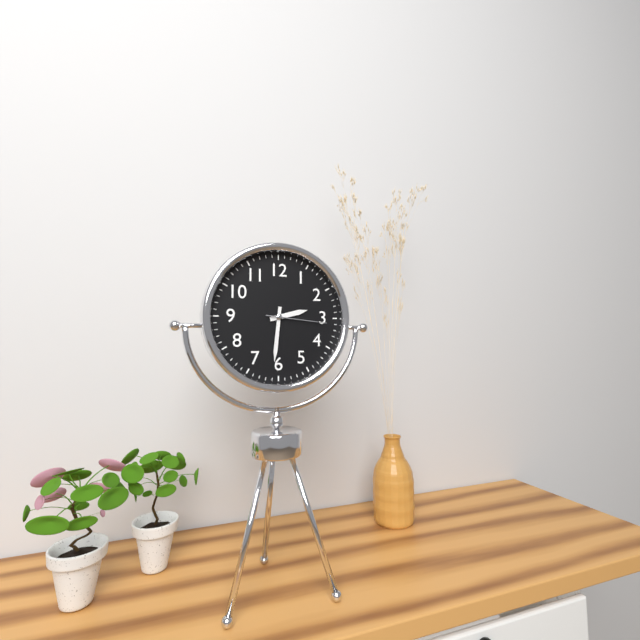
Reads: 2 h 31 min 16 s
